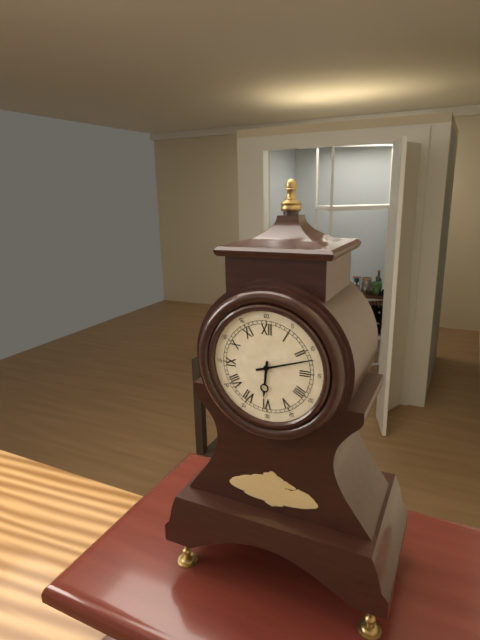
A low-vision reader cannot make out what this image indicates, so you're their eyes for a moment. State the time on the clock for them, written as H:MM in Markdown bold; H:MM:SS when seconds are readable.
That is **6:12**
